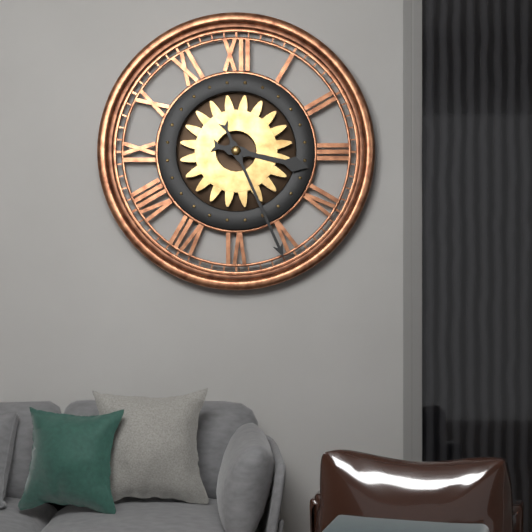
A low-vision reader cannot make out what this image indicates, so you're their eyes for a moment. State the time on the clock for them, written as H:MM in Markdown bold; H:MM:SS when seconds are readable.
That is **3:26**
